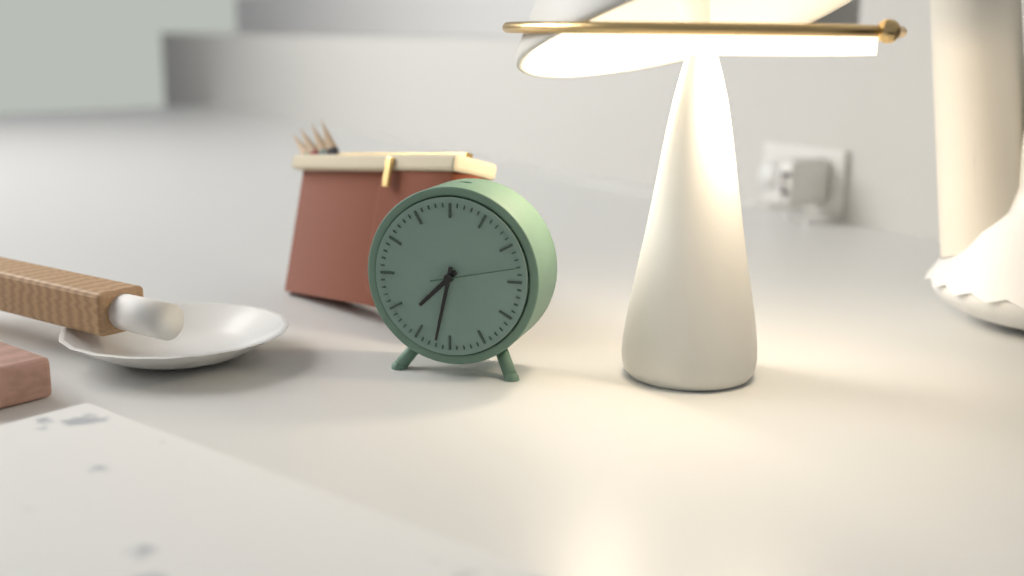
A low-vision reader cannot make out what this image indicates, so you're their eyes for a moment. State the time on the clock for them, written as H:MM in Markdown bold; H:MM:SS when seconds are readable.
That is **7:32:13**
